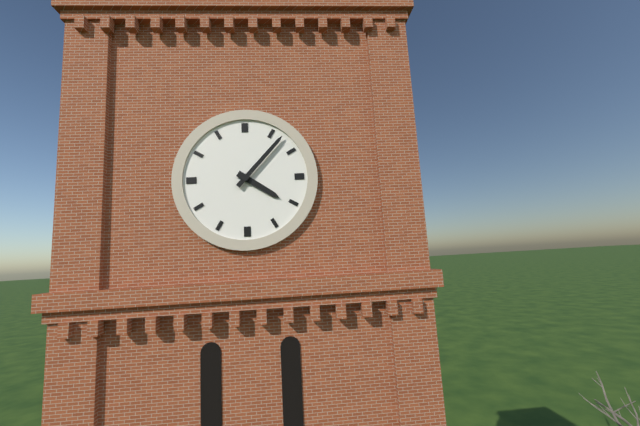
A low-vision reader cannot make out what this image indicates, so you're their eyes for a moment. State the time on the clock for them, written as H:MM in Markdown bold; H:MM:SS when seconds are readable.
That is **4:07**
